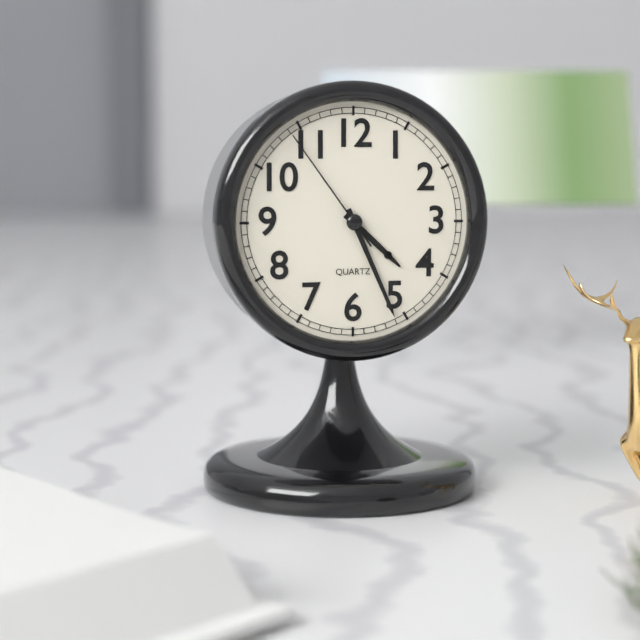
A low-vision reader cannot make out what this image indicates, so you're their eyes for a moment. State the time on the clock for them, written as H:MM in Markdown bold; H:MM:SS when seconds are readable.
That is **4:26:54**
